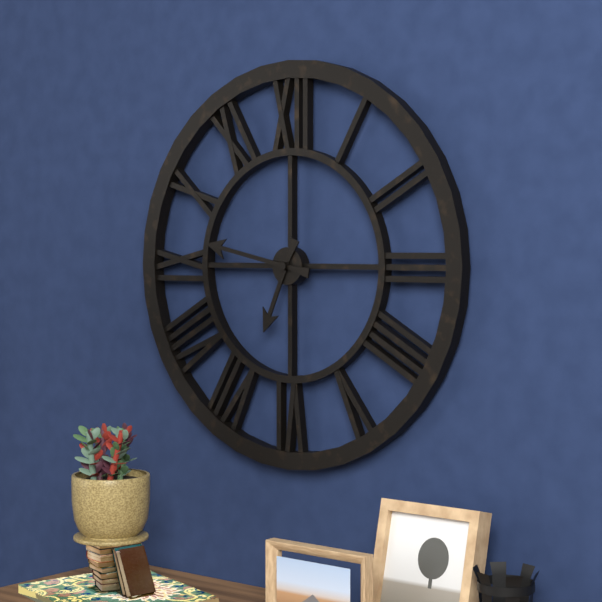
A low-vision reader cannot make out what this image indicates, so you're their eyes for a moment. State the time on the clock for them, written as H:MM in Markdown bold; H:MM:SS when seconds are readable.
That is **6:47**
